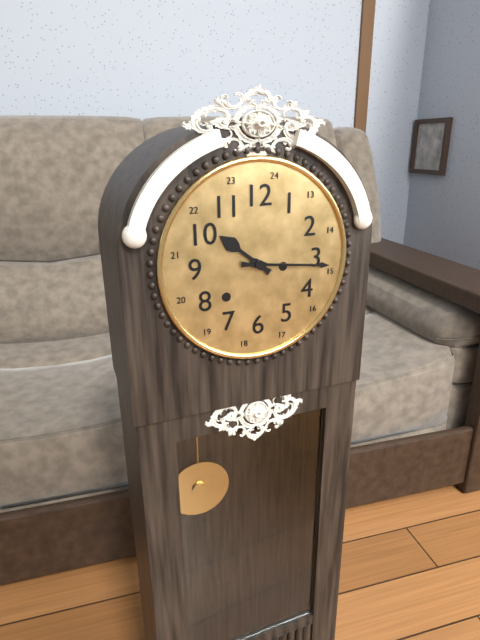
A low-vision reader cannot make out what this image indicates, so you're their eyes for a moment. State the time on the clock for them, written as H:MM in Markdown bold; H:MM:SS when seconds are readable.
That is **10:16**
